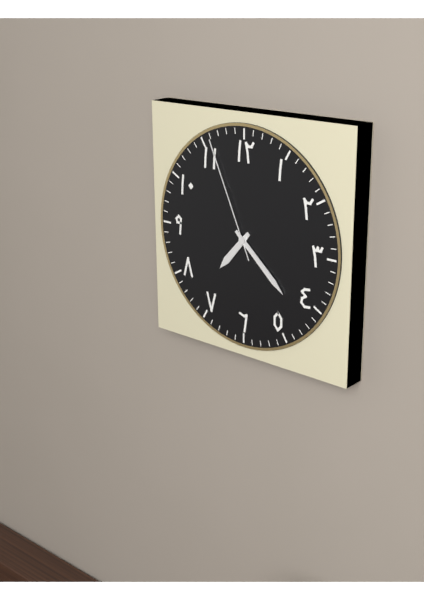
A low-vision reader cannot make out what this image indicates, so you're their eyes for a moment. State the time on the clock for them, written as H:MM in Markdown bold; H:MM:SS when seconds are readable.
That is **7:22:56**
